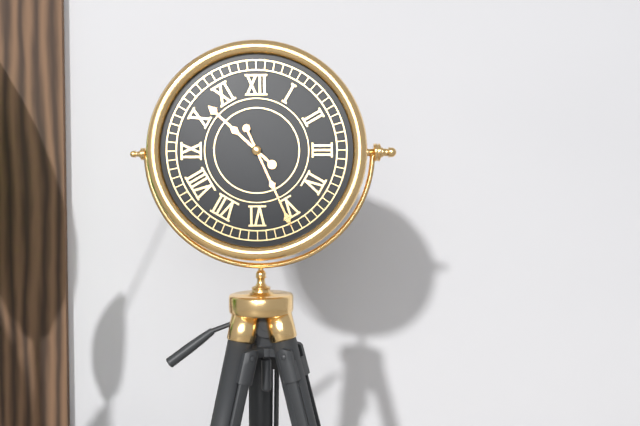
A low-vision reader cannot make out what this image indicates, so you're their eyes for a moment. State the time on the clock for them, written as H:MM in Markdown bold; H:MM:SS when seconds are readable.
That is **10:26**
